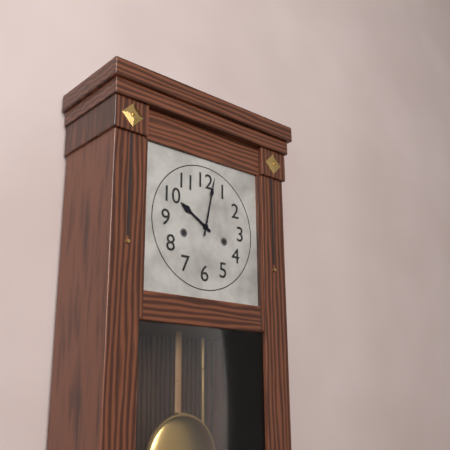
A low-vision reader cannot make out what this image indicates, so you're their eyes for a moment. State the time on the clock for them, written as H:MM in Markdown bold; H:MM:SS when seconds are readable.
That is **10:02**
